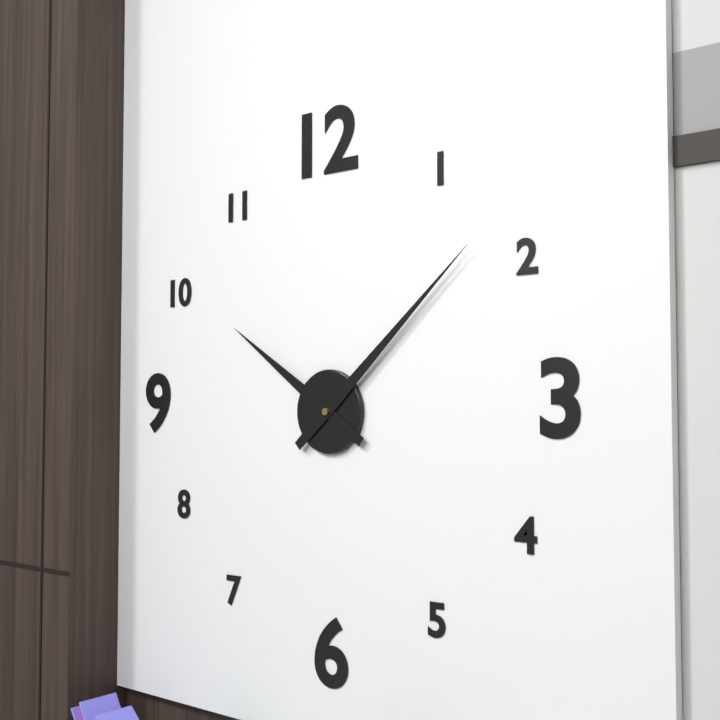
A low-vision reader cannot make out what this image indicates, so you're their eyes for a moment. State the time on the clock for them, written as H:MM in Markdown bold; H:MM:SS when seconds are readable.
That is **10:08**
